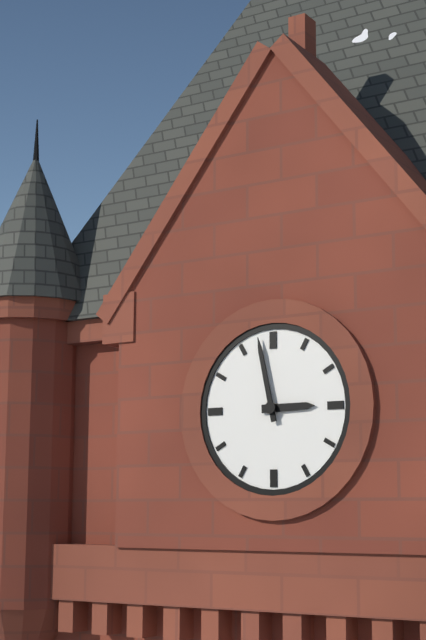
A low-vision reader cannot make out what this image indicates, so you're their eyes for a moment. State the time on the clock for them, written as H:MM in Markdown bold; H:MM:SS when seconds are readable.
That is **2:58**
